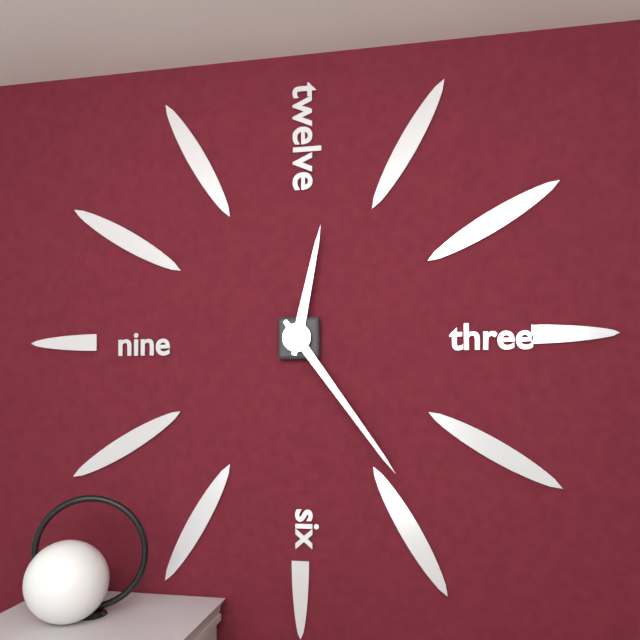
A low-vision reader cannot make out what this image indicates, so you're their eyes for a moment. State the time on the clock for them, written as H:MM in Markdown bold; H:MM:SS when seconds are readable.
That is **12:24**
